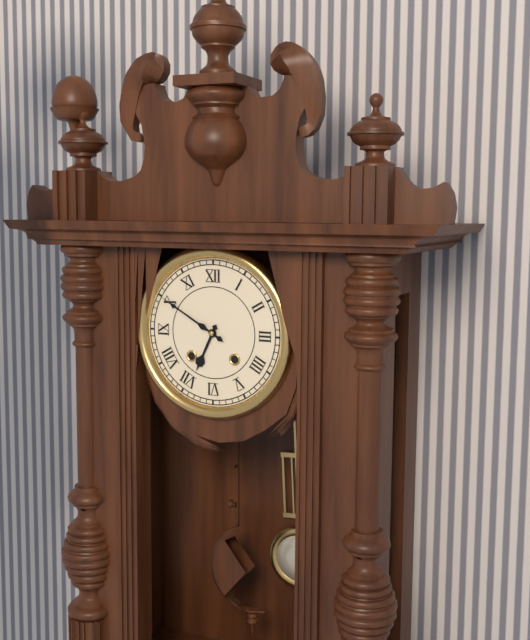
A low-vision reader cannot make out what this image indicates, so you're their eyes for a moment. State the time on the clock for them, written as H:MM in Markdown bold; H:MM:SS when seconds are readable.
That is **6:50**
